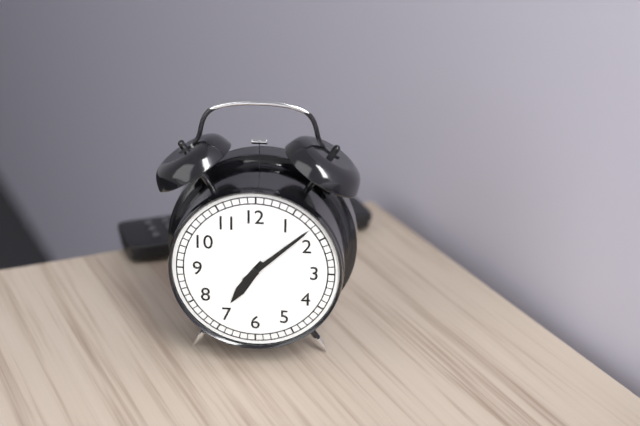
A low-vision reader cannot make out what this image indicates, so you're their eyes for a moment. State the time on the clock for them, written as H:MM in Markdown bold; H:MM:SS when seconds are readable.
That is **7:08**
